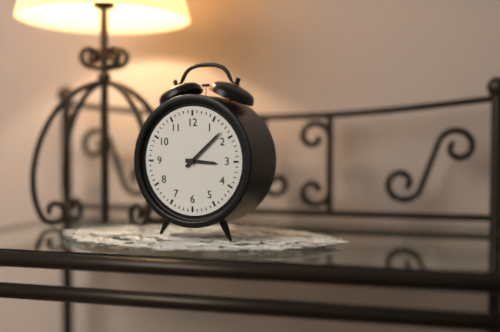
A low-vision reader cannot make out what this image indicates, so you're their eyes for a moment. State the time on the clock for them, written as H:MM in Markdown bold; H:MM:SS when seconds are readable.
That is **3:08**
